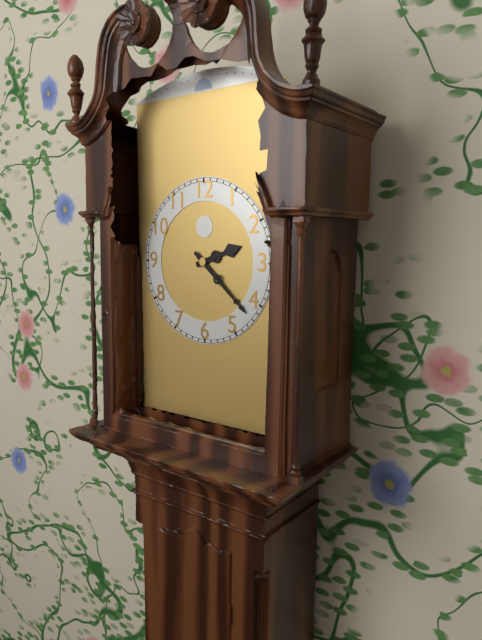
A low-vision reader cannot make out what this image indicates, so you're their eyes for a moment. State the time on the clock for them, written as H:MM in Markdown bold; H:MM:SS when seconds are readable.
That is **2:22**
